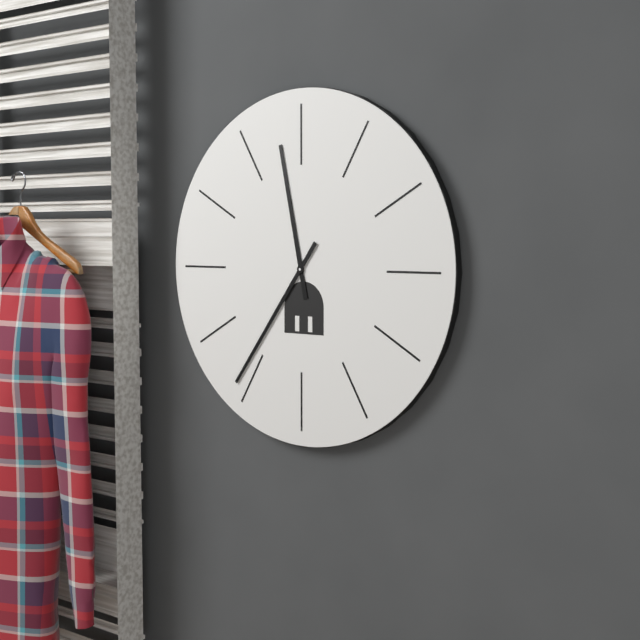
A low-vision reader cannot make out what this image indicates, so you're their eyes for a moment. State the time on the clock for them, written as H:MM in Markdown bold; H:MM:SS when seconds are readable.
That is **11:36**
